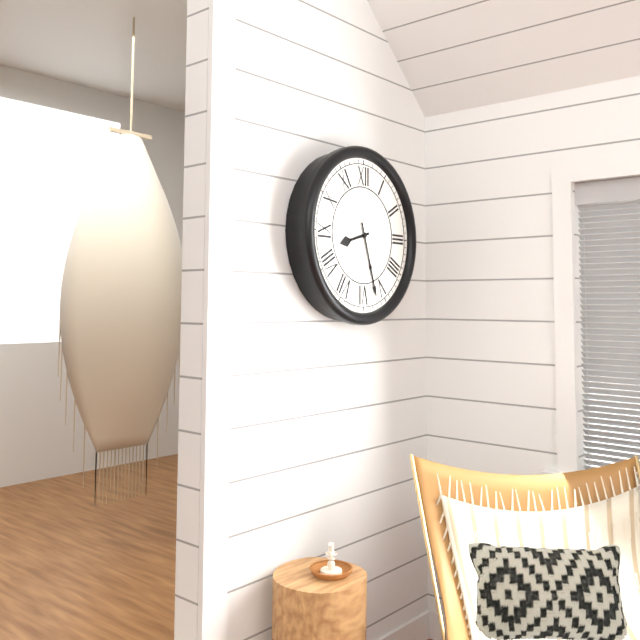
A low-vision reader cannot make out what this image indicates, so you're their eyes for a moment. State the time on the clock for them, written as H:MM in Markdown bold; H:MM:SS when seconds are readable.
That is **8:27**
